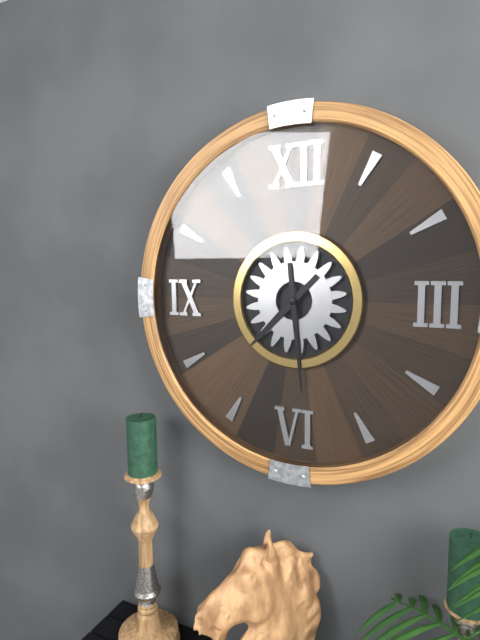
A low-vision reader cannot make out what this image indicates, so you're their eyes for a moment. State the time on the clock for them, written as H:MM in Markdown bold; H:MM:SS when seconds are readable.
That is **7:29**
